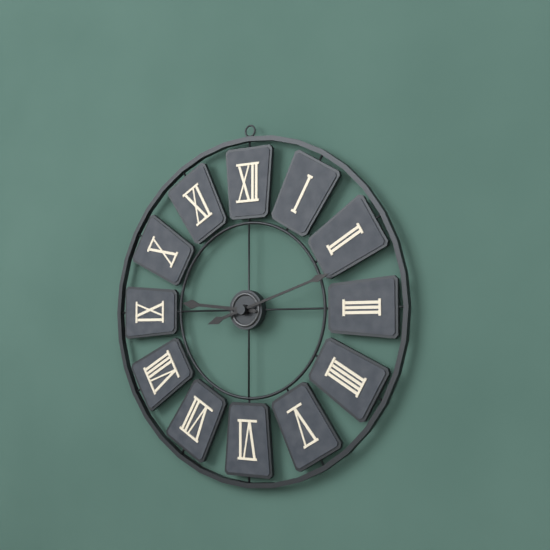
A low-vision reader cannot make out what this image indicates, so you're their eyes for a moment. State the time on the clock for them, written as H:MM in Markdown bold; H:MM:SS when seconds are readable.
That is **9:12**
